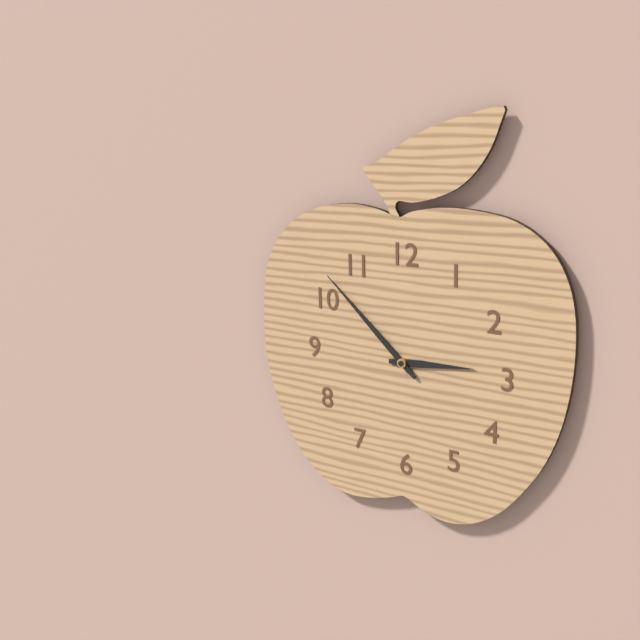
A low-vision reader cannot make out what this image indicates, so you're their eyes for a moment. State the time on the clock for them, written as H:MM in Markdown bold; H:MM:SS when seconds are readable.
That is **2:52**
